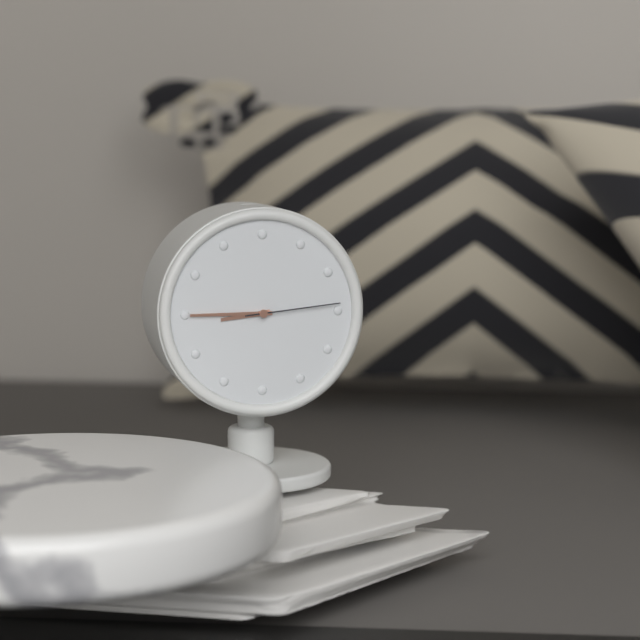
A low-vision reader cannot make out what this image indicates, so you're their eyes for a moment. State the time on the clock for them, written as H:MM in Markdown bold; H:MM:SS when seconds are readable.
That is **8:45:14**
